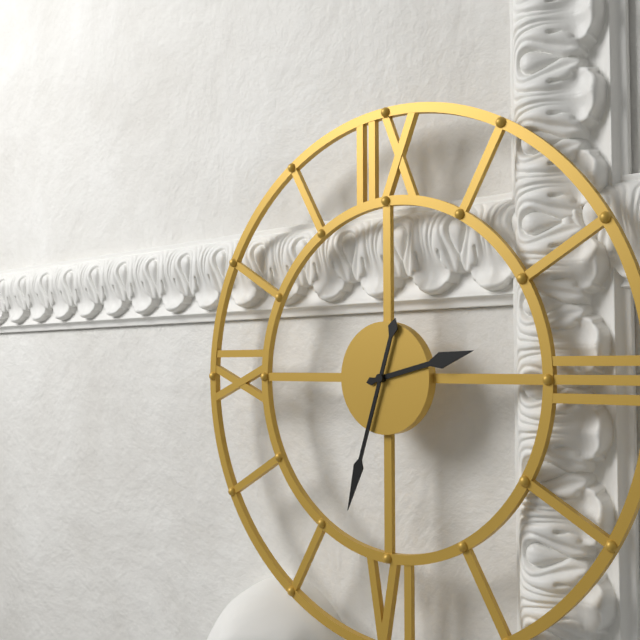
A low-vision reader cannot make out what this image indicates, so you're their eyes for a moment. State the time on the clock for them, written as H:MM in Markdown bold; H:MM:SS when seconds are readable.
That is **2:33**
